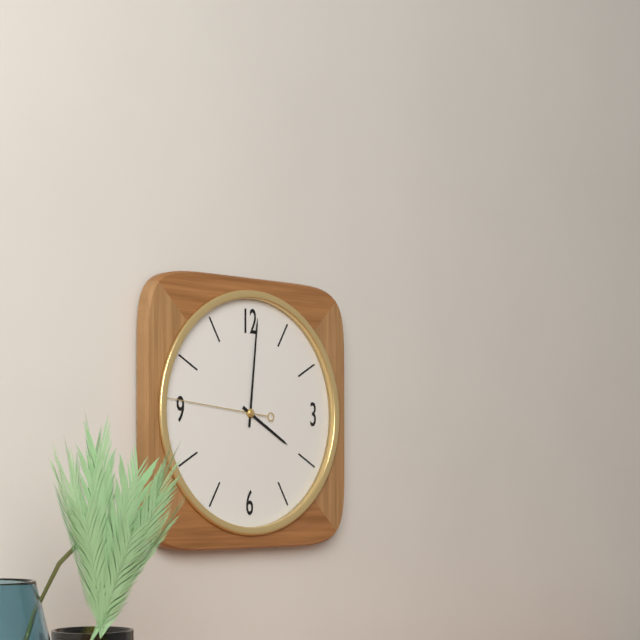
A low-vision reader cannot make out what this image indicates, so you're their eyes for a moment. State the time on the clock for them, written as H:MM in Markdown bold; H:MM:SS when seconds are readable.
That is **4:01:46**
